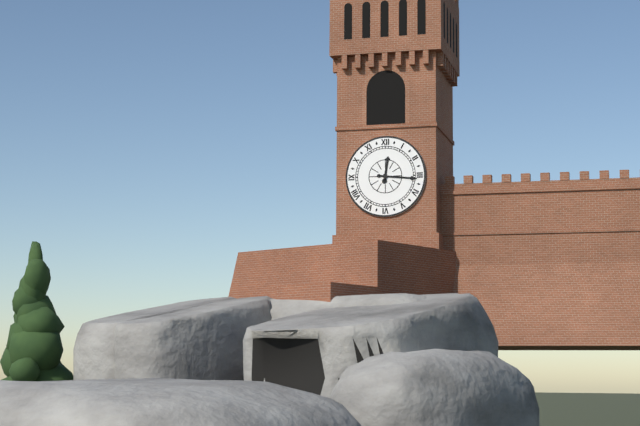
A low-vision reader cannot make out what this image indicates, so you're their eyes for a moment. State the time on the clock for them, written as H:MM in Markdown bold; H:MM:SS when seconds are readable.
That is **12:16**
